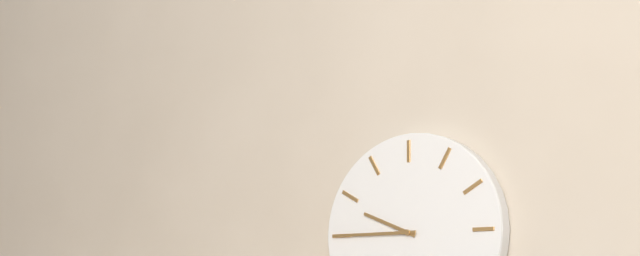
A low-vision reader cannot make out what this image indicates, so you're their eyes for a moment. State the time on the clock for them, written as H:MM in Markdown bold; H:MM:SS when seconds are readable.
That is **9:45**
